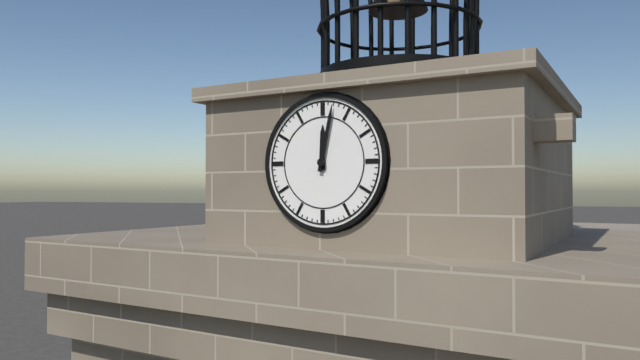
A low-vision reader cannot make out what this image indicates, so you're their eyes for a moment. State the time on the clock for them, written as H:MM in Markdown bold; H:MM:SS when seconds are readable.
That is **12:02**
